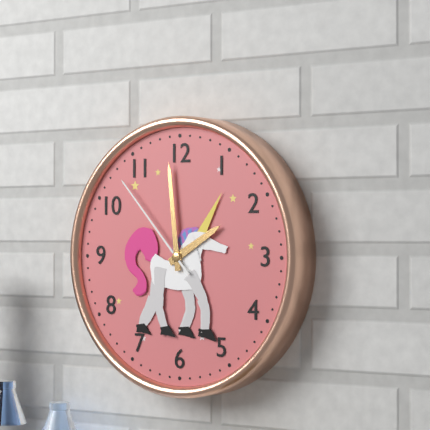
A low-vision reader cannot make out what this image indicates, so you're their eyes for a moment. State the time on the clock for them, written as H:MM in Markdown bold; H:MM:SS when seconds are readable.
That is **1:59:53**
